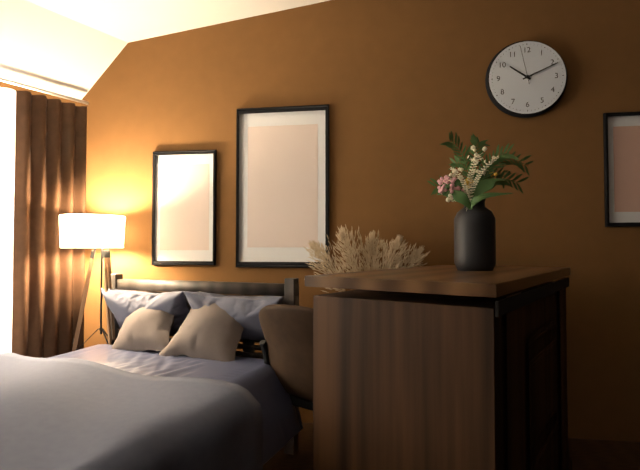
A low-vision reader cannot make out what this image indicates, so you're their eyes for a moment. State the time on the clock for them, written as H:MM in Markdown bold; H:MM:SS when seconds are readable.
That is **10:11**
